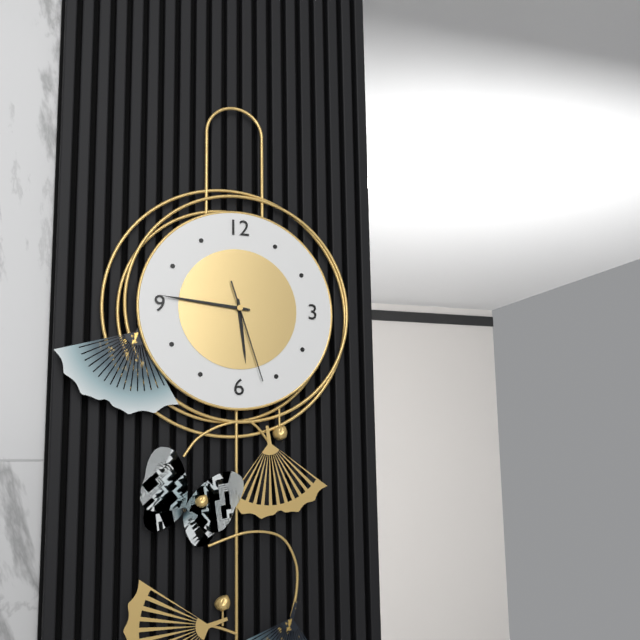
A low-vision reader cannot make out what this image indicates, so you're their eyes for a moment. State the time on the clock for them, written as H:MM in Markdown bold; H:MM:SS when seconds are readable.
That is **5:46:27**
